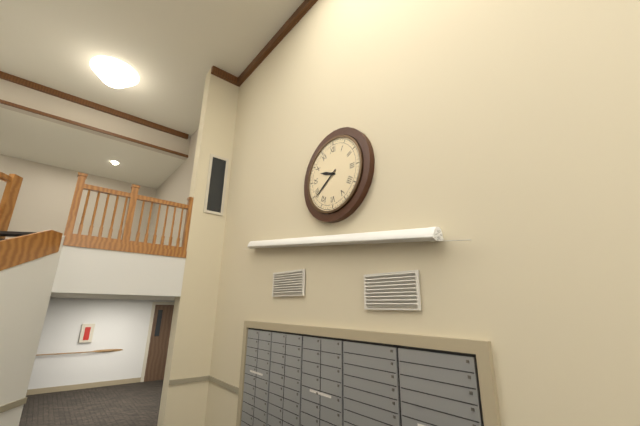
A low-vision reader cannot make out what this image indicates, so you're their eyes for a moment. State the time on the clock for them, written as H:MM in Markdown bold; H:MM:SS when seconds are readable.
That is **9:39**
